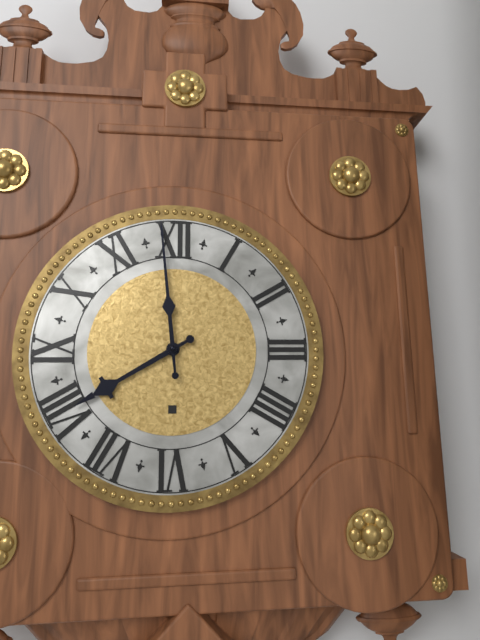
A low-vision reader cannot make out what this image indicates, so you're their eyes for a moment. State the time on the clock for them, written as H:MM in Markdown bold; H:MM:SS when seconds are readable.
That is **7:59**
